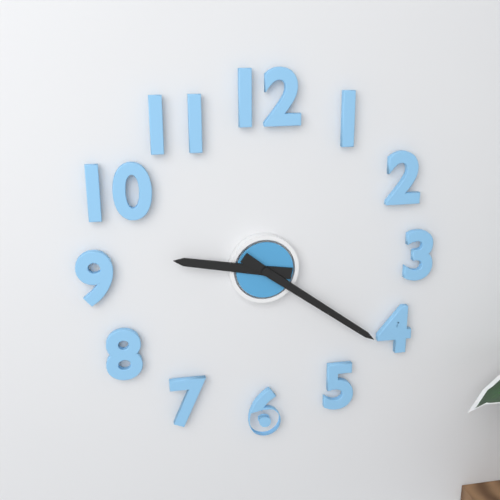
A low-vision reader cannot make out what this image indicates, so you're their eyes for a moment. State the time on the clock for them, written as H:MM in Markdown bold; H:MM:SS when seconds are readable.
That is **9:21**
